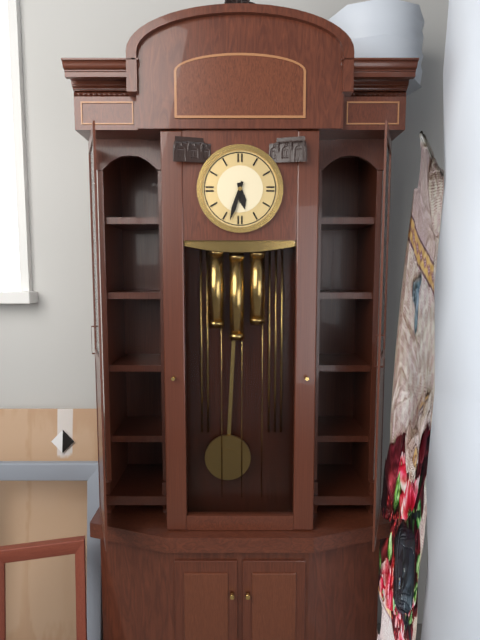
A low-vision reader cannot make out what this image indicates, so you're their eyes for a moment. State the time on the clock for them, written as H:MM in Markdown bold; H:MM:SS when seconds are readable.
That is **5:33**
